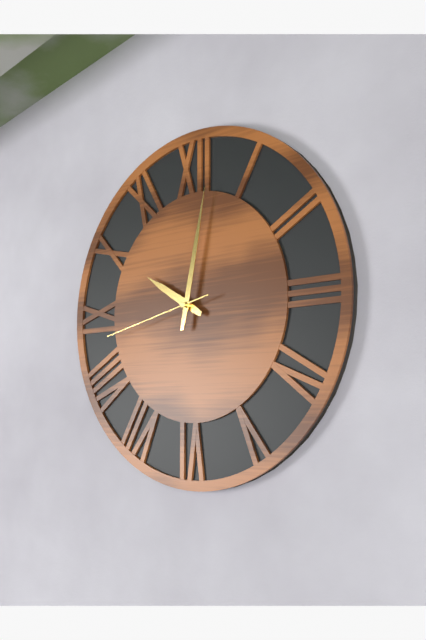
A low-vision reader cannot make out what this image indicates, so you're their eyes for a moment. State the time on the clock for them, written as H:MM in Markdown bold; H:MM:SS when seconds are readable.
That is **10:02:43**
